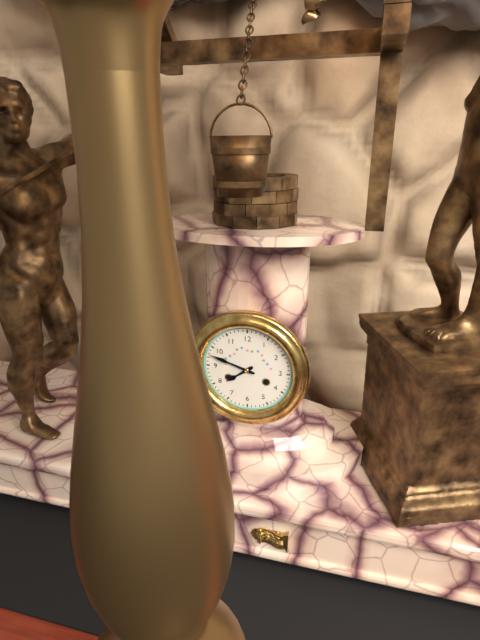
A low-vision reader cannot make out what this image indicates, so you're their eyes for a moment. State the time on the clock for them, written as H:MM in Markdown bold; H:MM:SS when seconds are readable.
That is **7:48**
